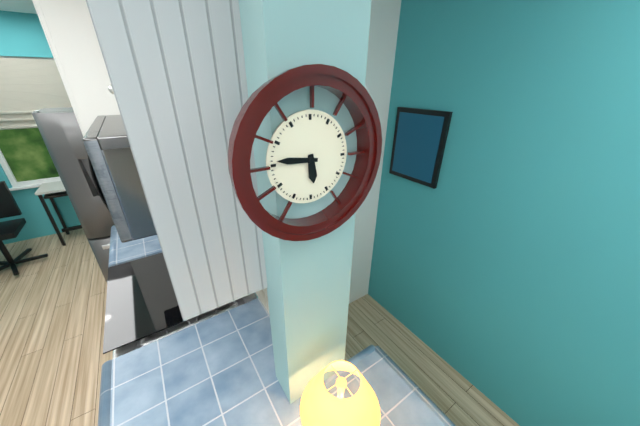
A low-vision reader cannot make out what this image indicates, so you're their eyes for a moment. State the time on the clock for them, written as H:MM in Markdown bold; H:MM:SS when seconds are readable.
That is **5:46**
